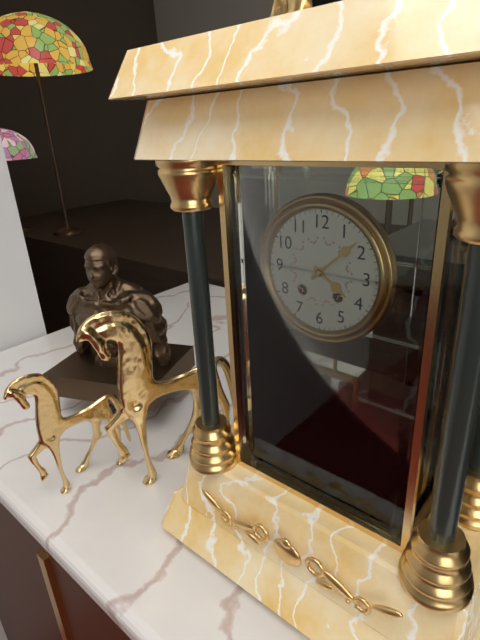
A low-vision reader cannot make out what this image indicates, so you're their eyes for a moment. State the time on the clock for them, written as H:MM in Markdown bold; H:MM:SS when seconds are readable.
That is **4:08**
